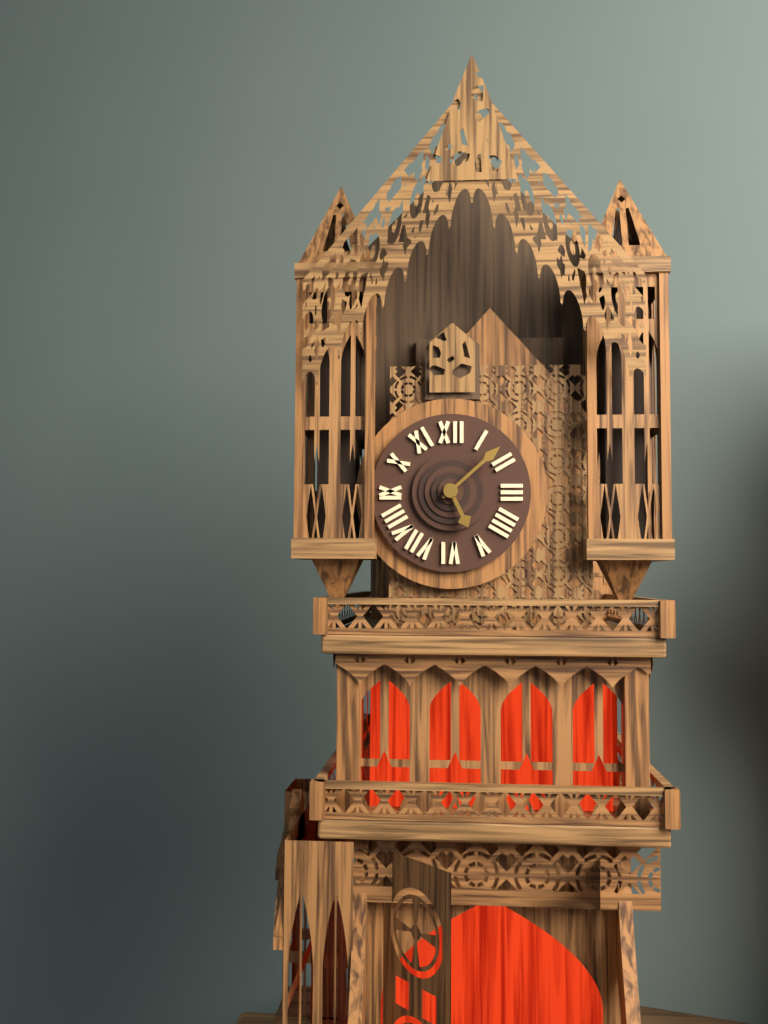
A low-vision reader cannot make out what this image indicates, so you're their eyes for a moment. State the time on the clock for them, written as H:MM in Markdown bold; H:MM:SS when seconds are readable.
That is **5:08**
